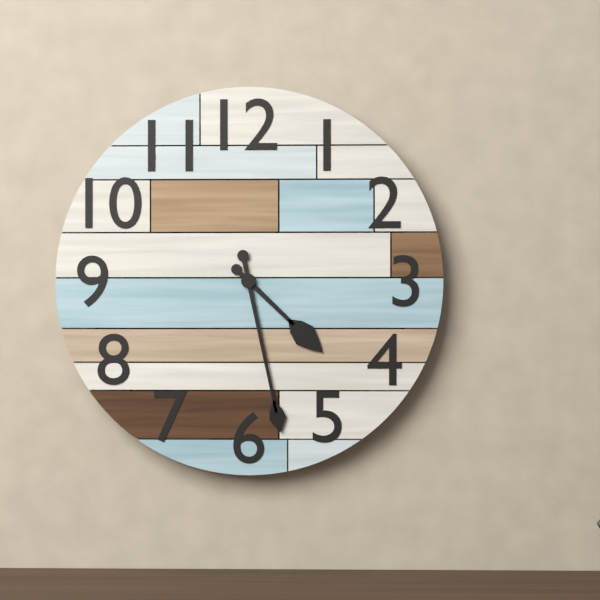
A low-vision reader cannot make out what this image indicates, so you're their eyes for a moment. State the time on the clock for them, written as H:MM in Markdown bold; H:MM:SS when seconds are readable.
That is **4:28**
